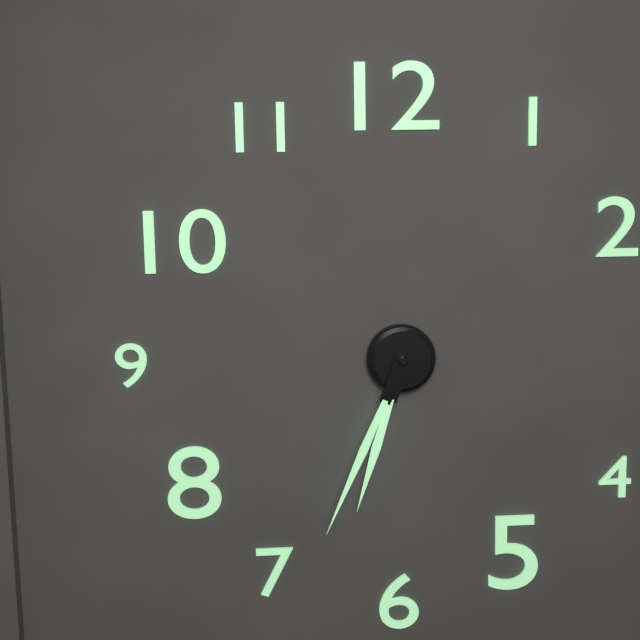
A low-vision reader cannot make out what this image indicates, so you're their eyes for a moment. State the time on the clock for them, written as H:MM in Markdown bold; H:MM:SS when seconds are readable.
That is **6:34**
